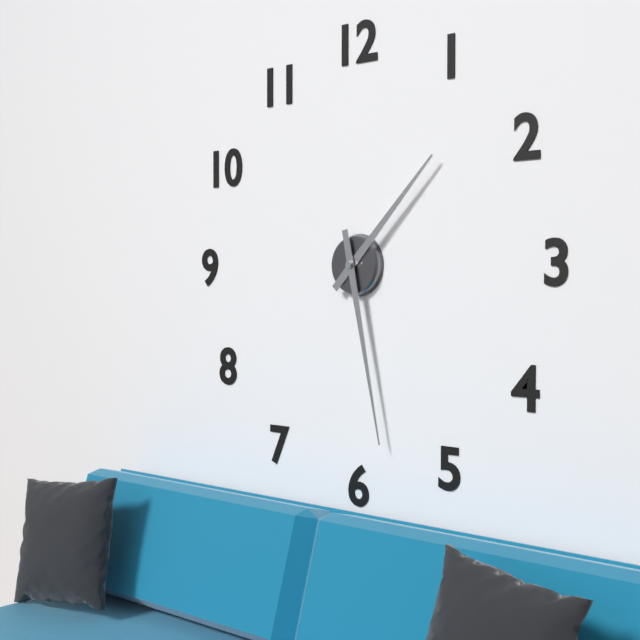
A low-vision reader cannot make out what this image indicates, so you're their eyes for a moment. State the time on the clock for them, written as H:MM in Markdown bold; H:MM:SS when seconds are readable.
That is **1:28**
